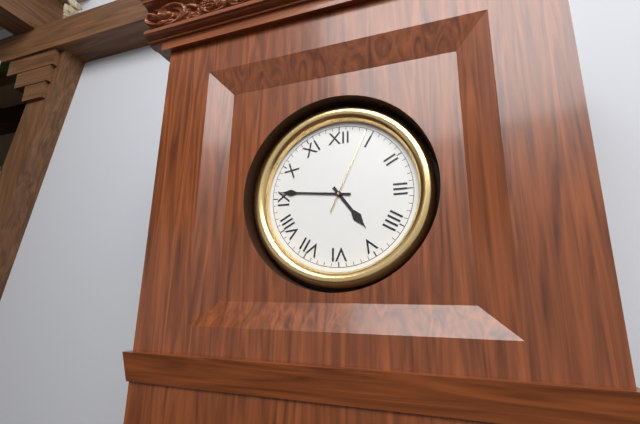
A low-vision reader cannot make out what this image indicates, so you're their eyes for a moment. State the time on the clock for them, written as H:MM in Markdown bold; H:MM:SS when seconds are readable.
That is **4:46:04**
